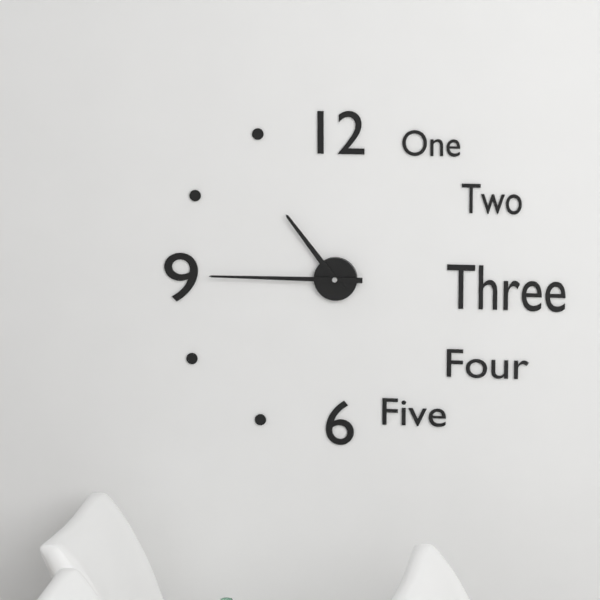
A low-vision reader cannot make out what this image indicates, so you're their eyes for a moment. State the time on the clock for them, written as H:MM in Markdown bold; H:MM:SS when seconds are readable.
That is **10:45**
